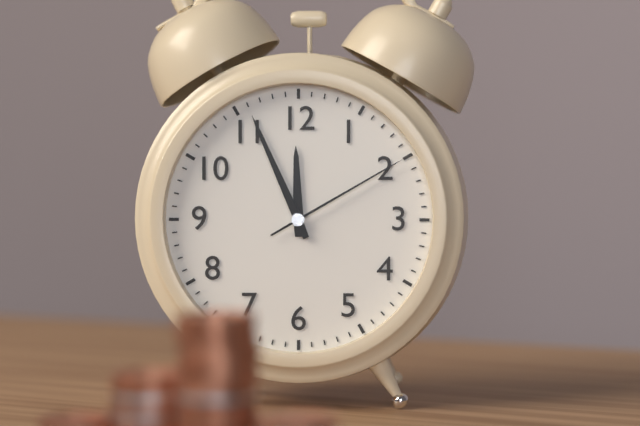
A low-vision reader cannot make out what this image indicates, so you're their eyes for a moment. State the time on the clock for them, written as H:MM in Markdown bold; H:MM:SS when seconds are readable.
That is **11:56:10**
